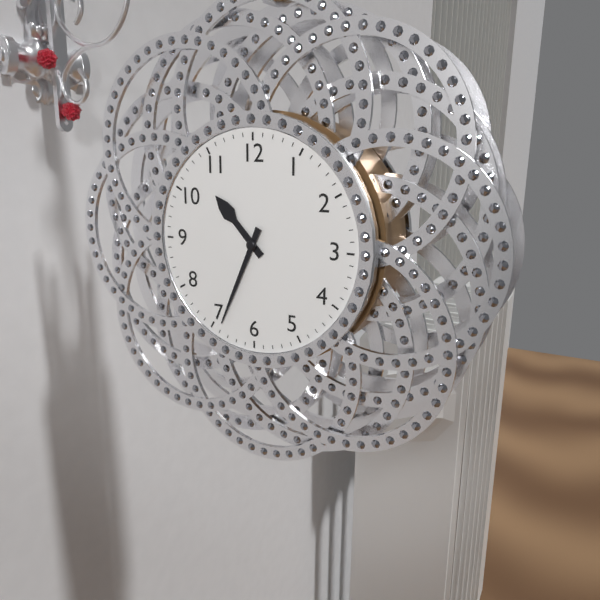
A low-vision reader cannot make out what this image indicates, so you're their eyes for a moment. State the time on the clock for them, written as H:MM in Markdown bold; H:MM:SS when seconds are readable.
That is **10:34**
